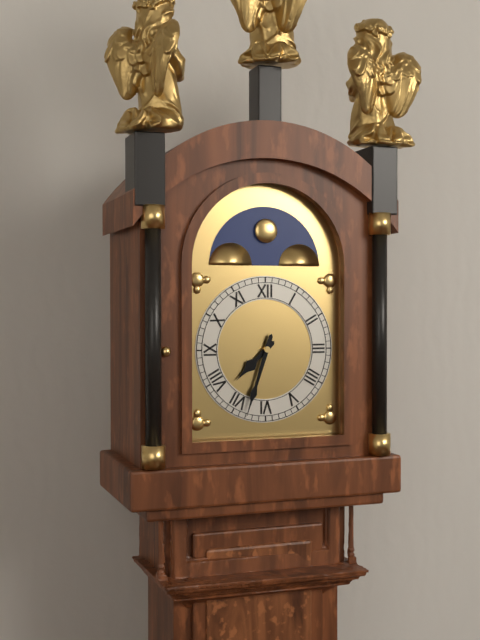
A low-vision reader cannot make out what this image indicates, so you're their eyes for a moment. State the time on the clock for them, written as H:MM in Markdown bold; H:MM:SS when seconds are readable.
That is **7:33**
